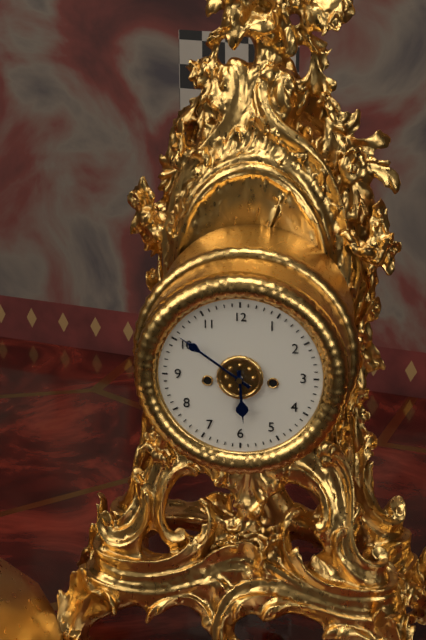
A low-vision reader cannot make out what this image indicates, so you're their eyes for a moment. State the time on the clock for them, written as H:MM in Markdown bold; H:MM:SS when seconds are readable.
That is **5:51**
